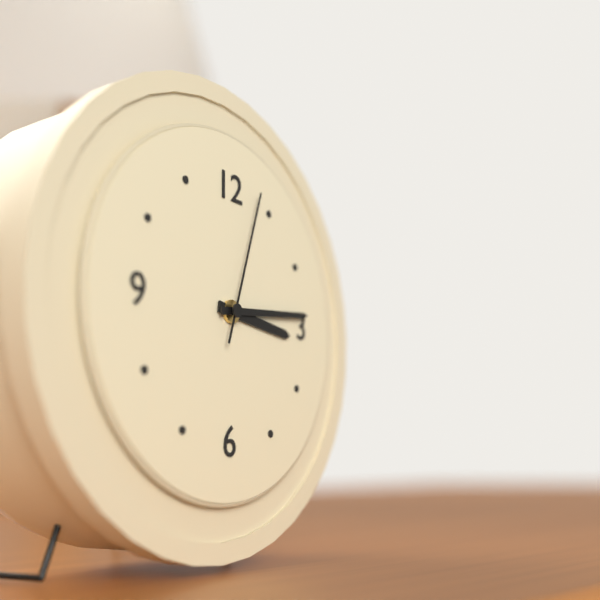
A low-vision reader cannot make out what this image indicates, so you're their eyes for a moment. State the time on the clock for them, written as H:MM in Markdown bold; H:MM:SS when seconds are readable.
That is **3:14:03**
